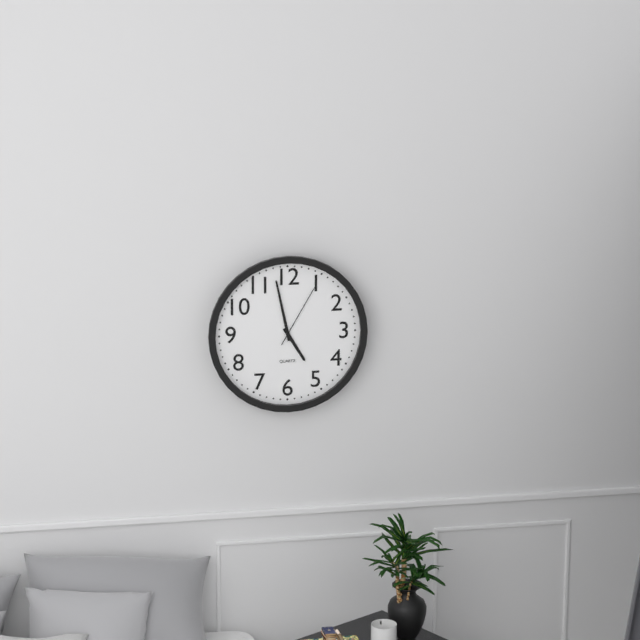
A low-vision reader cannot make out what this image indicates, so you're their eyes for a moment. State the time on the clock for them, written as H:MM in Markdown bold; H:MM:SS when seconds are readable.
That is **4:58:05**
